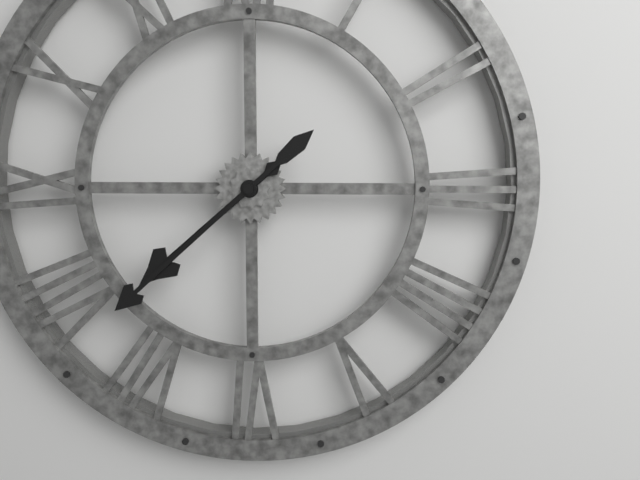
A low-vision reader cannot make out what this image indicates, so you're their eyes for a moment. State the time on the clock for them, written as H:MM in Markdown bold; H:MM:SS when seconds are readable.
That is **7:38**
